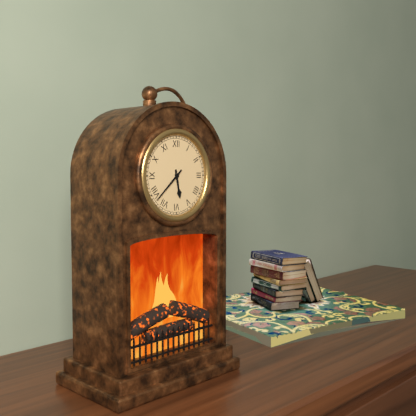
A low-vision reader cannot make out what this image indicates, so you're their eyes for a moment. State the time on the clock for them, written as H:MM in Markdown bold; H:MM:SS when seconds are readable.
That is **5:38**
